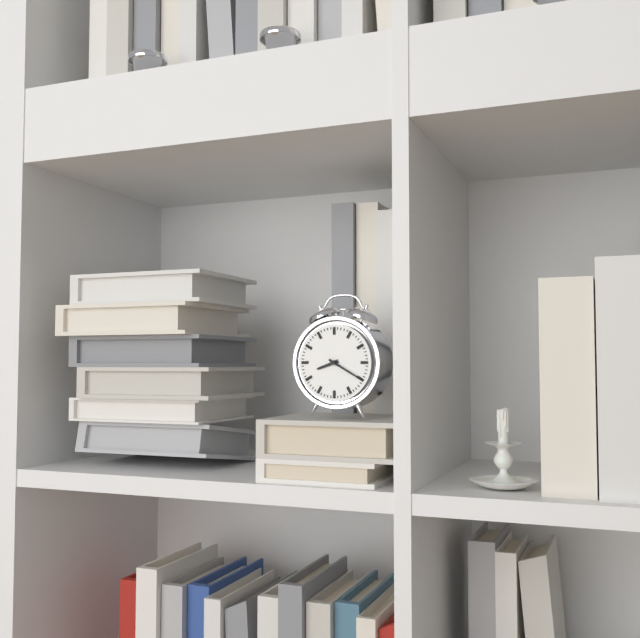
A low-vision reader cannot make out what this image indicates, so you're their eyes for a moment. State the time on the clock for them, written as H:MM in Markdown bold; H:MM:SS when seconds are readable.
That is **8:20**
